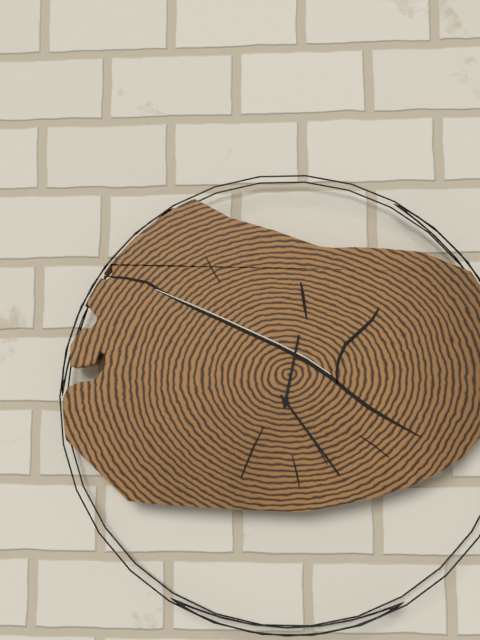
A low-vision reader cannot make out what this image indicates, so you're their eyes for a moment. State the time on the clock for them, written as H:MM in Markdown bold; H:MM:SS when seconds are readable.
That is **12:24**
